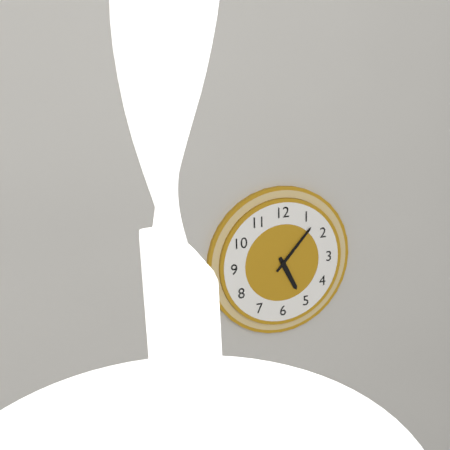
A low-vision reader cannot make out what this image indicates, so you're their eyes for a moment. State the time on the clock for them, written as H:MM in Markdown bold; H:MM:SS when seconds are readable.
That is **5:07**
